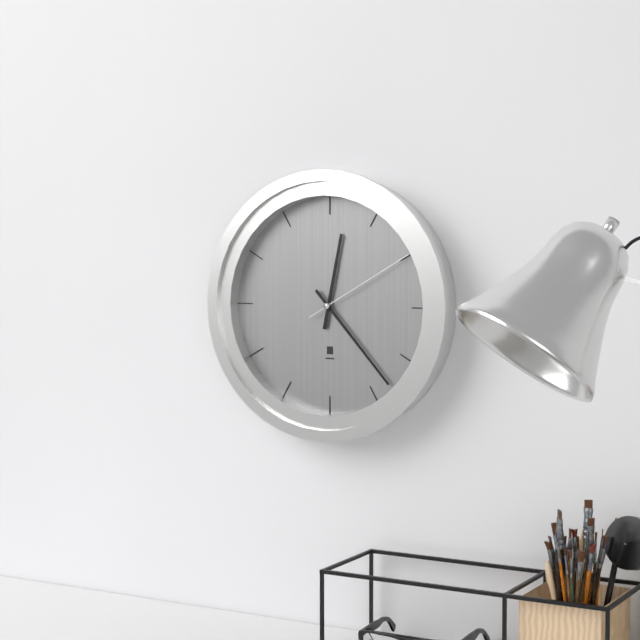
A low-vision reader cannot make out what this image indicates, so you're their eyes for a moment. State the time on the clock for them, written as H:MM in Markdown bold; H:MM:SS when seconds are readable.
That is **12:23:10**
